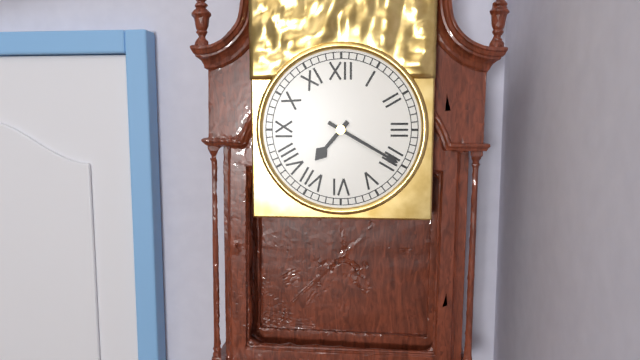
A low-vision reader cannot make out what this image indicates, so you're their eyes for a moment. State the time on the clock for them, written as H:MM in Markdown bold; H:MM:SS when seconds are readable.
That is **7:20**
